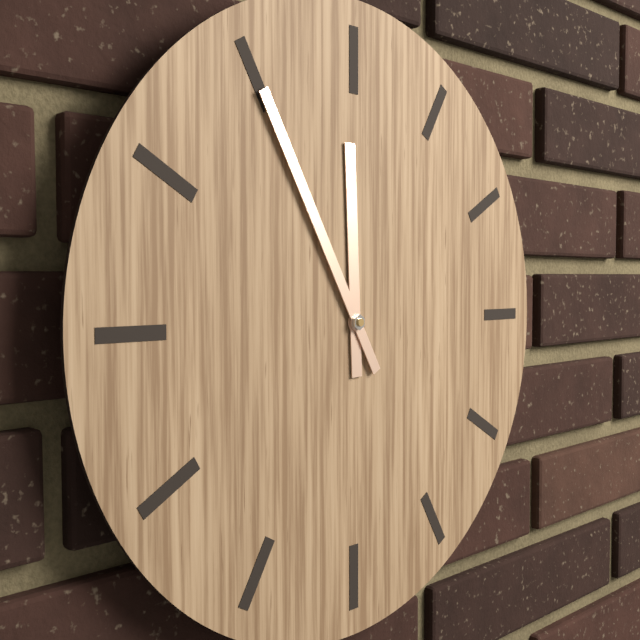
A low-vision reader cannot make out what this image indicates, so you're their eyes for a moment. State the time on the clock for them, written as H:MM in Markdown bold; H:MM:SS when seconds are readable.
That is **11:55**
